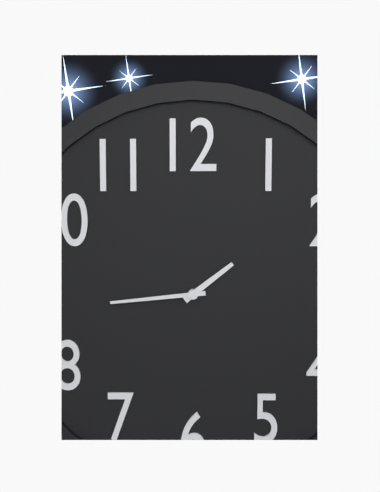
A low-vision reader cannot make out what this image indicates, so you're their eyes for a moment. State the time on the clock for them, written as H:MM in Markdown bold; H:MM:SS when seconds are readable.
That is **1:44**
